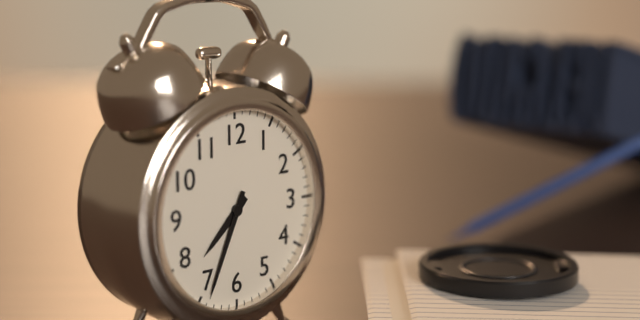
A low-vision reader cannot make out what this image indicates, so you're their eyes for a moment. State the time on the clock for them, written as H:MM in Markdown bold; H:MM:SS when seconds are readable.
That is **7:34**
